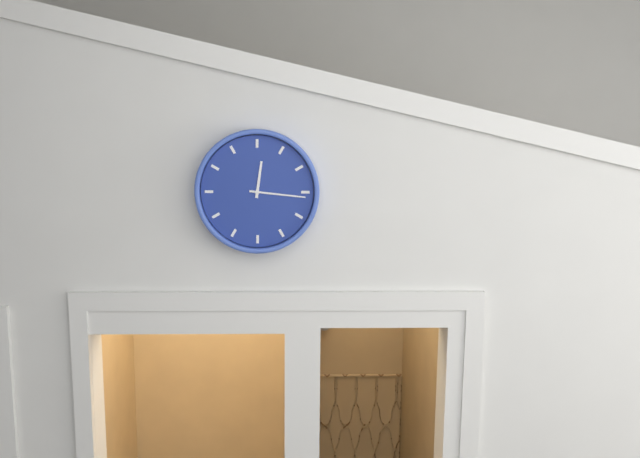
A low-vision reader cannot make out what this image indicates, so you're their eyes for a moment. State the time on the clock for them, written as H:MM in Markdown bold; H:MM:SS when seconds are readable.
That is **12:16**
